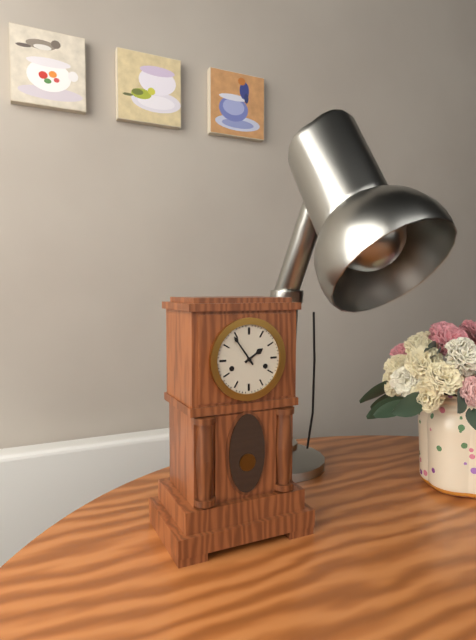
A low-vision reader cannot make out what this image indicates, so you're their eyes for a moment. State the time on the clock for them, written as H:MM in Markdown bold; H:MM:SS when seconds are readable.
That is **1:54**
